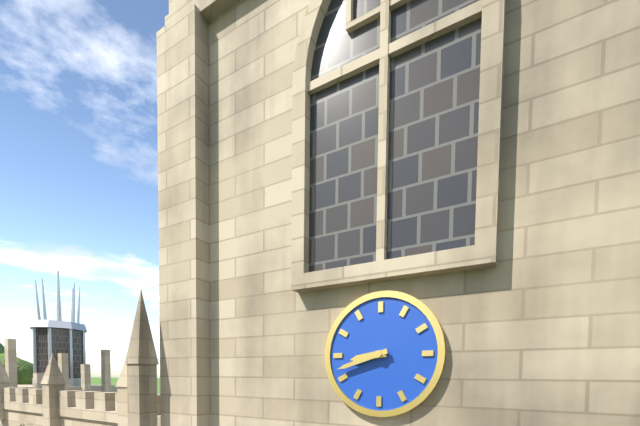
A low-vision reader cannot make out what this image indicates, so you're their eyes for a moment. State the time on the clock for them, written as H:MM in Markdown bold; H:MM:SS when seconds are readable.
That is **8:42**
